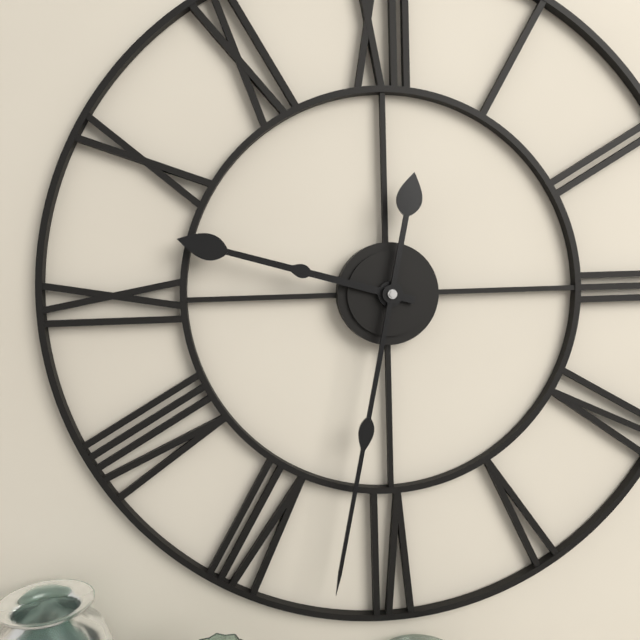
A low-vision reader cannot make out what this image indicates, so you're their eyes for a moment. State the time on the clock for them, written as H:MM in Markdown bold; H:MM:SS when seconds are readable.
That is **9:32**
